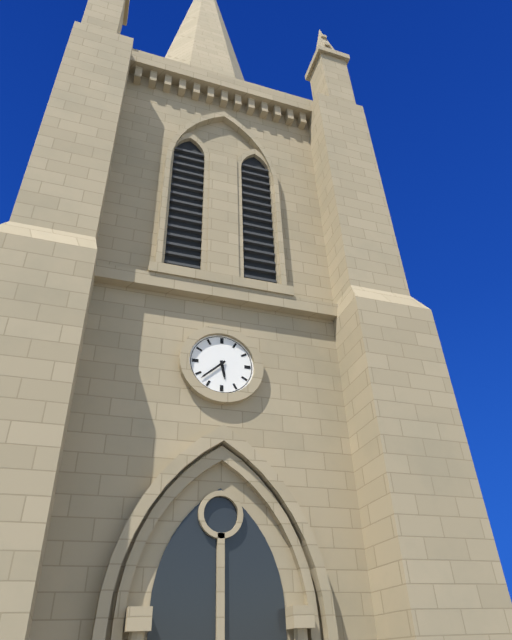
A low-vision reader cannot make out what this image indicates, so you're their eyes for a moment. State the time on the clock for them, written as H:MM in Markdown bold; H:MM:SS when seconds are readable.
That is **5:38**
